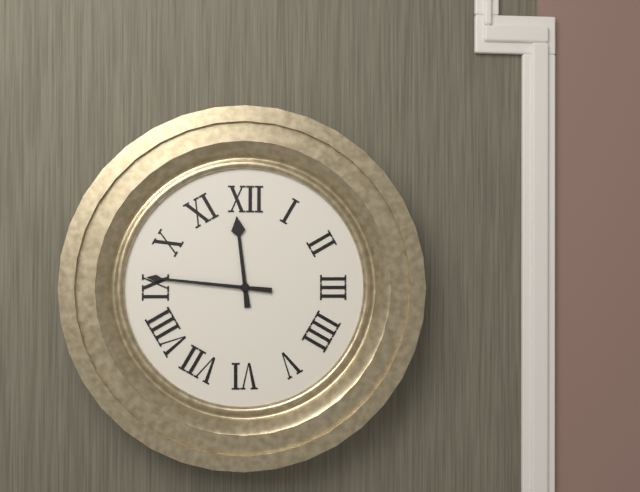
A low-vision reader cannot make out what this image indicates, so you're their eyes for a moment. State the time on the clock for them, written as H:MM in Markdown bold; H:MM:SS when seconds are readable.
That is **11:46**
